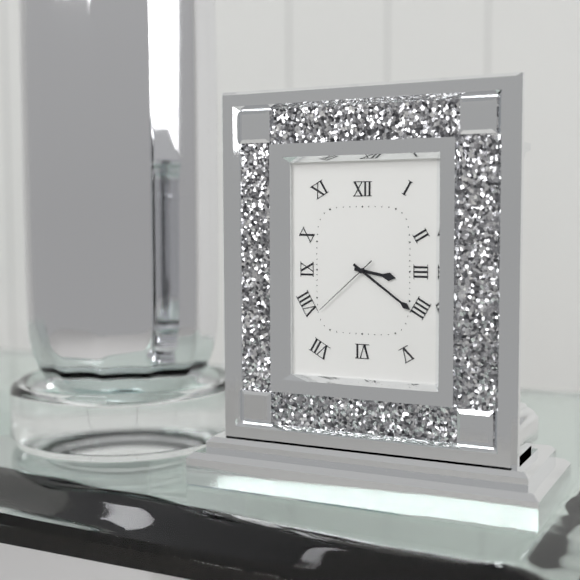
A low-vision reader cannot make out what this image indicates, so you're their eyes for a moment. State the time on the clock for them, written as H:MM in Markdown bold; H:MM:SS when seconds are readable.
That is **3:21:38**
